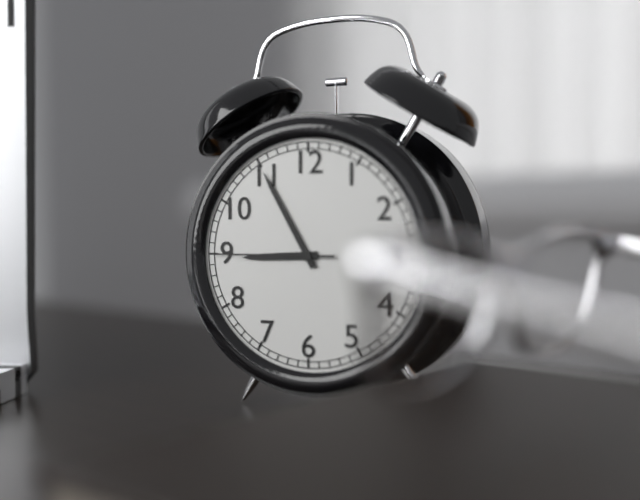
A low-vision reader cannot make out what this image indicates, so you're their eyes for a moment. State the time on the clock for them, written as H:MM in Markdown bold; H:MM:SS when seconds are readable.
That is **8:55:45**
